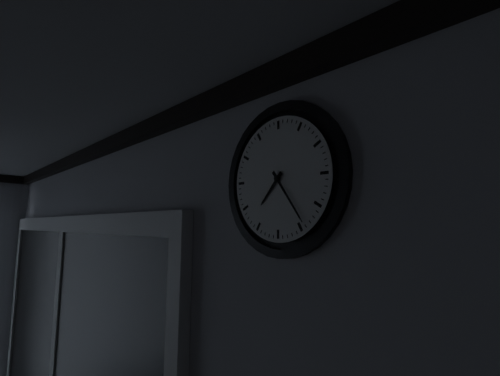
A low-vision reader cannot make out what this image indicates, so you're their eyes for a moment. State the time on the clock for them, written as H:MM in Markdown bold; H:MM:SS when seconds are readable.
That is **7:24**
